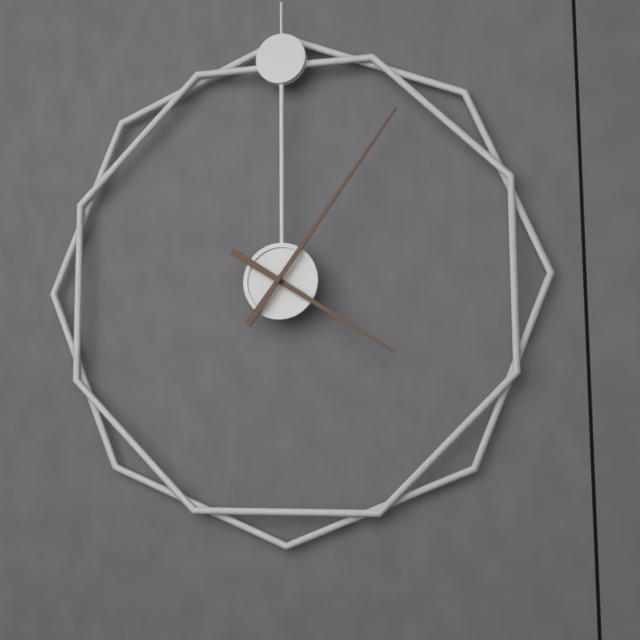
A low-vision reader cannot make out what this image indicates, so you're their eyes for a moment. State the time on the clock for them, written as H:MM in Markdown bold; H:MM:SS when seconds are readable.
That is **4:06**
